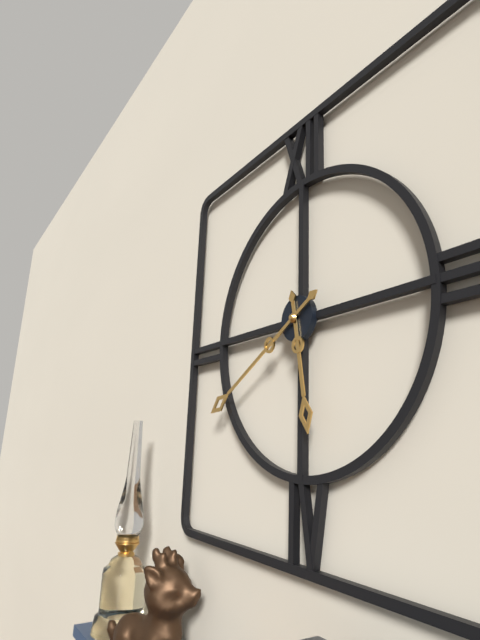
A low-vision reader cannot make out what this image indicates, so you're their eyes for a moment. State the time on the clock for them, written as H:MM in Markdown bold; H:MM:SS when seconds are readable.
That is **5:40**
